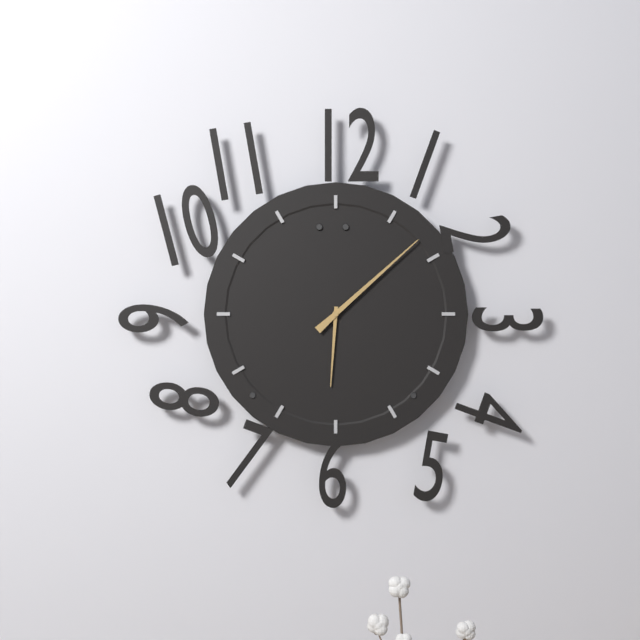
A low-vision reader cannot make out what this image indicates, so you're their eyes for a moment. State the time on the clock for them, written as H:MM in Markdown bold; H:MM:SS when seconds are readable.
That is **6:08**
